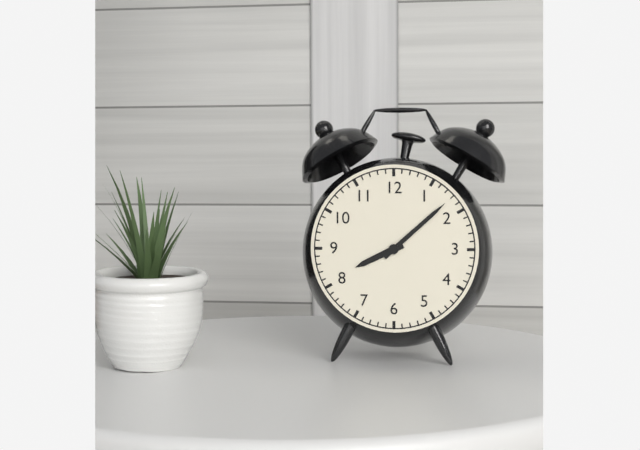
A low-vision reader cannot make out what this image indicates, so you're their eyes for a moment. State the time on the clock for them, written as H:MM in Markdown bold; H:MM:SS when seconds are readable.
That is **8:08**
